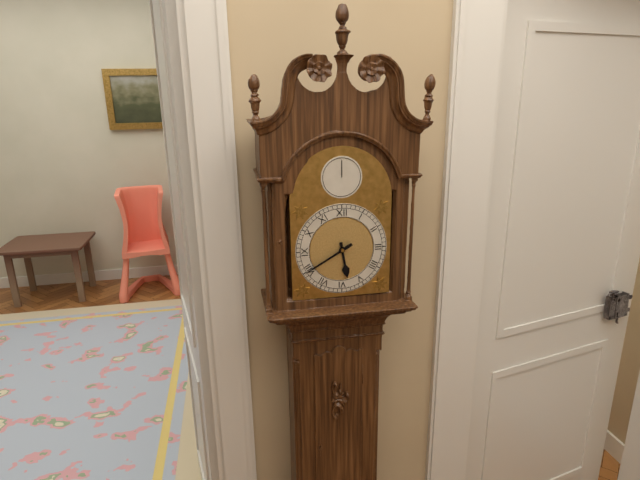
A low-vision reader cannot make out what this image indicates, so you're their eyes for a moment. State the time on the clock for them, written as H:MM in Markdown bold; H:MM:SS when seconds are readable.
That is **5:40**
